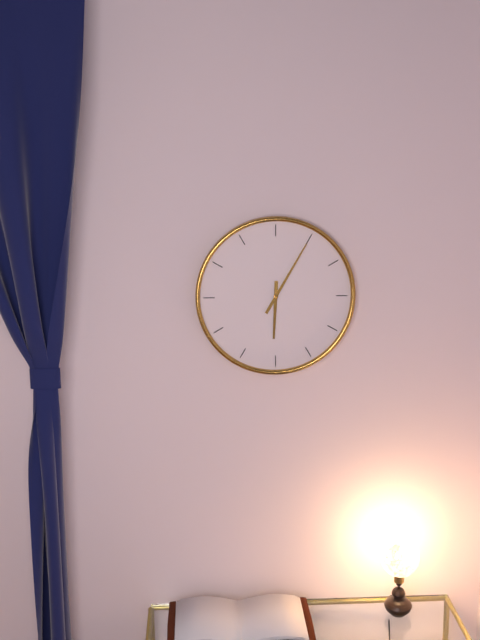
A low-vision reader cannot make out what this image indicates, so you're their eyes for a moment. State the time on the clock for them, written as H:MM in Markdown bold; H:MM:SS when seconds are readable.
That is **6:05**
